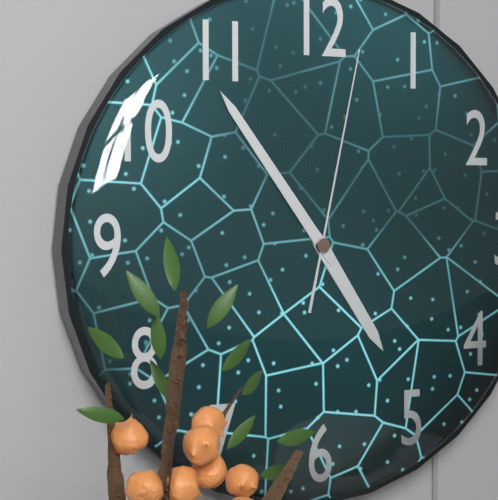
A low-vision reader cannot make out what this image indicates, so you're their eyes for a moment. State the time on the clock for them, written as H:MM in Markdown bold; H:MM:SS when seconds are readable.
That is **4:54:02**
